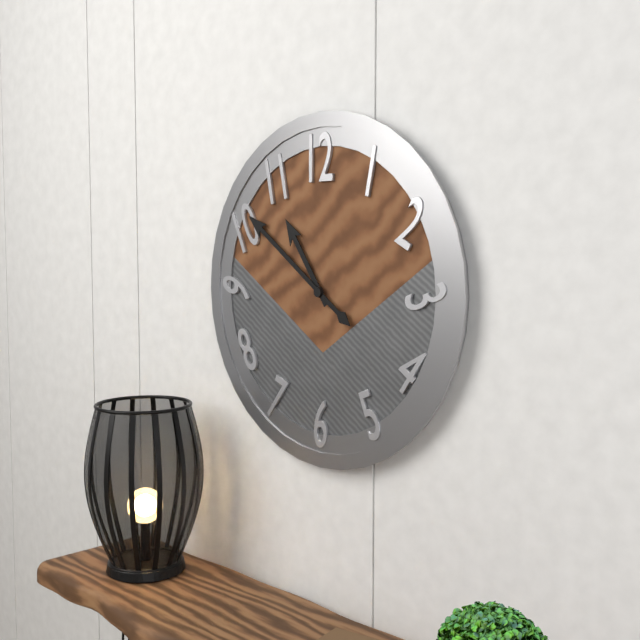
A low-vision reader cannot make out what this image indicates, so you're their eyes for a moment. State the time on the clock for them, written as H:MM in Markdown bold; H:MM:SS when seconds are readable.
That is **10:51**
